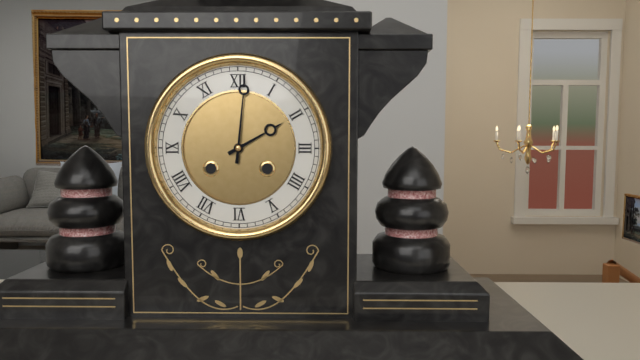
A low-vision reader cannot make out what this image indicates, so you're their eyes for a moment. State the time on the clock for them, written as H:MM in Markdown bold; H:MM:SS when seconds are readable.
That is **2:01**
